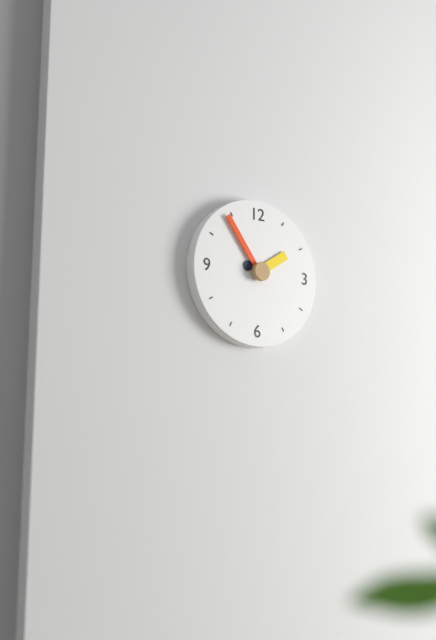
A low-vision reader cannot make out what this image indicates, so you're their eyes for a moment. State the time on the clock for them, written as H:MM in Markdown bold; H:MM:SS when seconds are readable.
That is **1:54**
